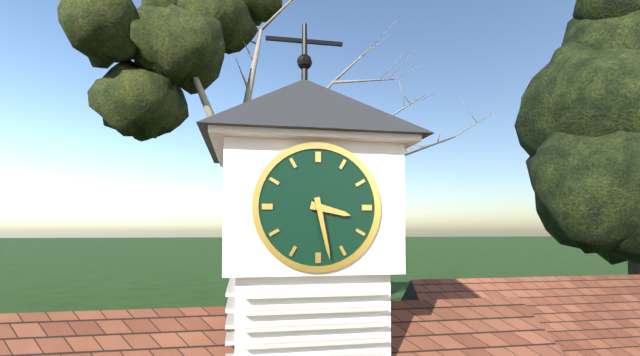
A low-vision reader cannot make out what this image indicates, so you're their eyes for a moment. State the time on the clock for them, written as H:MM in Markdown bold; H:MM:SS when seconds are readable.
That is **3:28**
